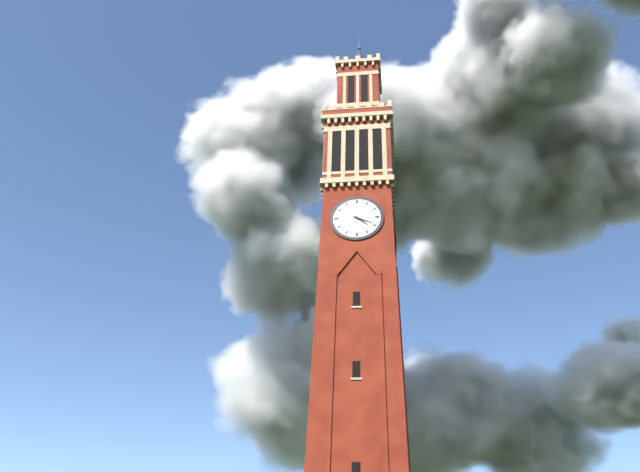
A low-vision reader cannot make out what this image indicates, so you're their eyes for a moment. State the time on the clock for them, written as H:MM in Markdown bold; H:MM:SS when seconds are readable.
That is **4:19**
